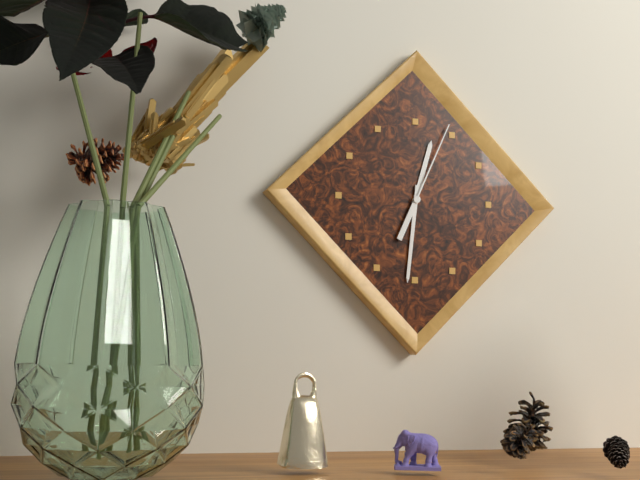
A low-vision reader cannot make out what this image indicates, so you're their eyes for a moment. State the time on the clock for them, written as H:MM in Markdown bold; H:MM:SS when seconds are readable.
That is **12:31:04**
